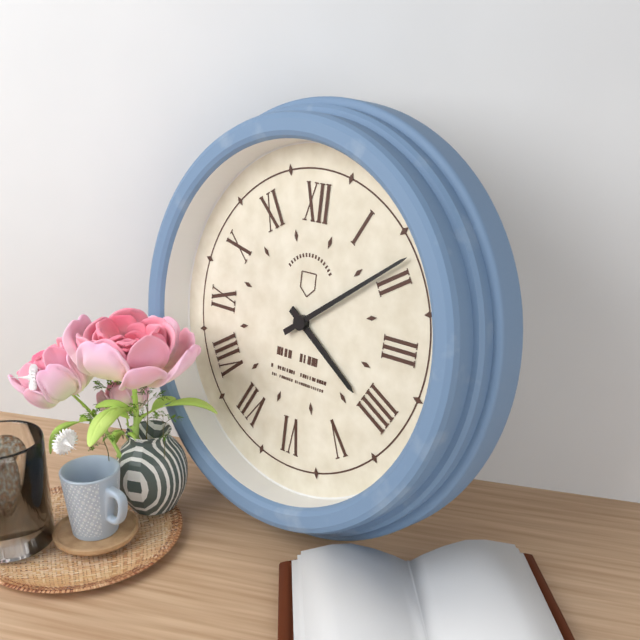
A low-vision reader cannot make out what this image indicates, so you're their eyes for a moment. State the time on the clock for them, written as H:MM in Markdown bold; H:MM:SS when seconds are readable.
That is **4:09**
